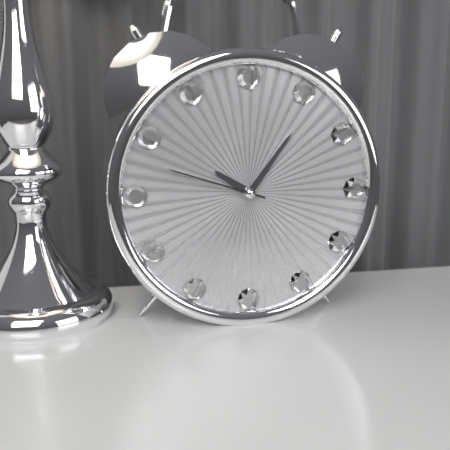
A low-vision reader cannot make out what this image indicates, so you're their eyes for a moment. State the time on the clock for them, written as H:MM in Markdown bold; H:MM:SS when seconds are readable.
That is **10:06:48**
